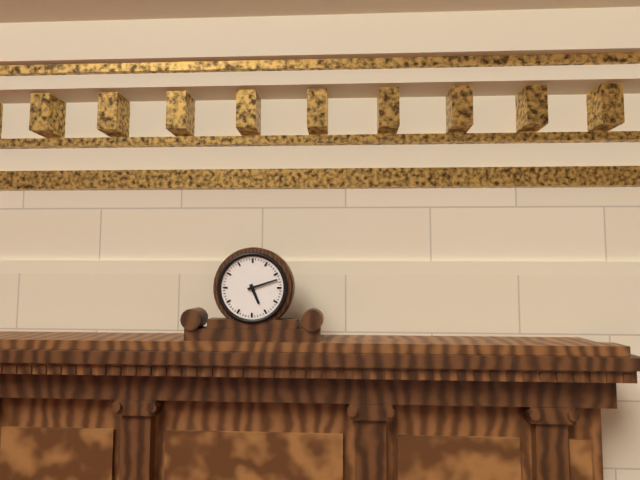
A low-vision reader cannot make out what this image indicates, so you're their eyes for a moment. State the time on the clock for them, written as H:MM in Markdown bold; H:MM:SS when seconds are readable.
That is **5:12**
